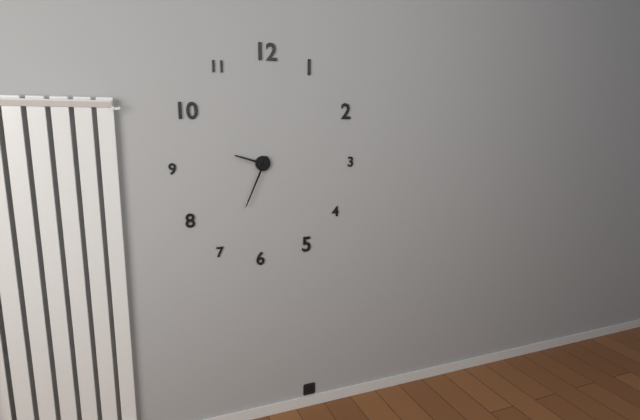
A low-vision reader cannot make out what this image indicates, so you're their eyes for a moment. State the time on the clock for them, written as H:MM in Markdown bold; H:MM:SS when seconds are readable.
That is **9:34**
